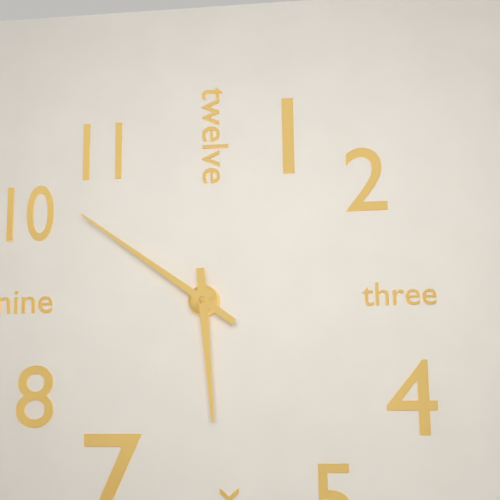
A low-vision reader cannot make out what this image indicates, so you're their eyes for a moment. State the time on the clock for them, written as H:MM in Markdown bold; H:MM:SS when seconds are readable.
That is **5:51**
